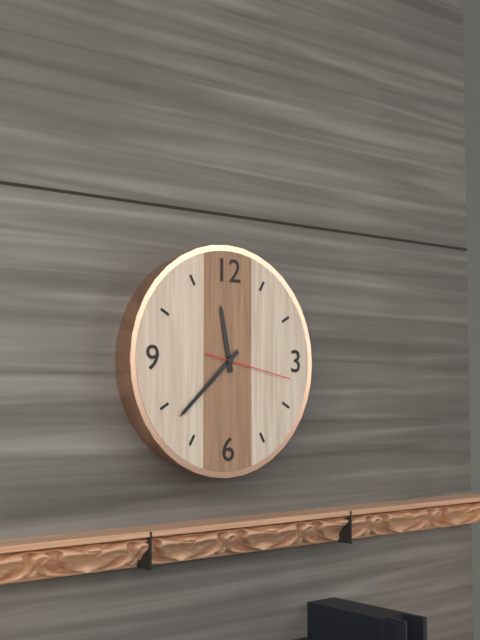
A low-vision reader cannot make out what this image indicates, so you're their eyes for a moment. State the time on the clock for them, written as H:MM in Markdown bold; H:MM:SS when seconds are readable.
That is **11:38:17**
